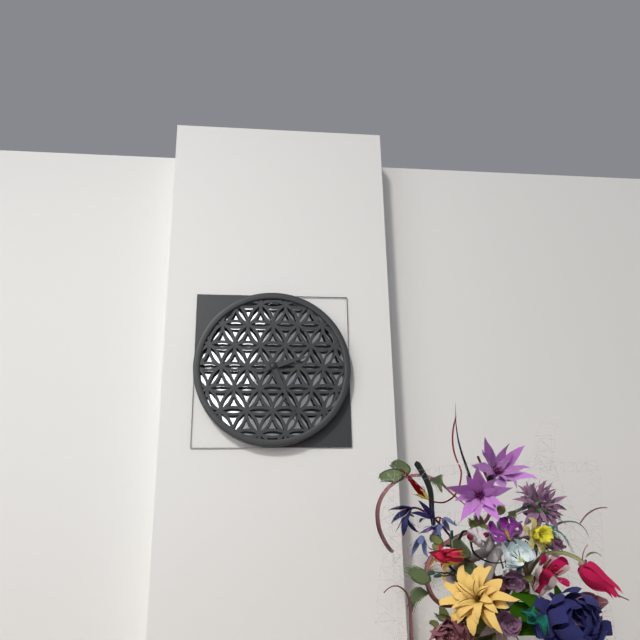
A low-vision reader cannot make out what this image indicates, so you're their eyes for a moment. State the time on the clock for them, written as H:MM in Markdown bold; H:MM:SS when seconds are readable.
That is **2:26**
